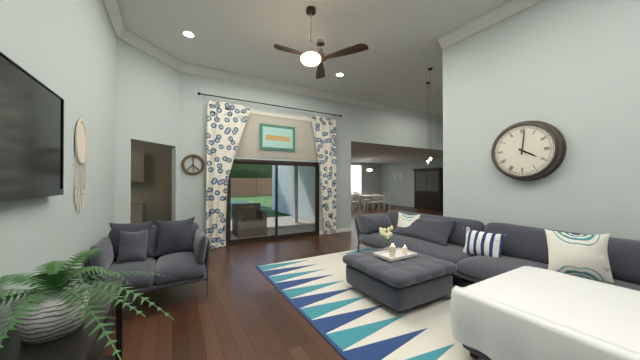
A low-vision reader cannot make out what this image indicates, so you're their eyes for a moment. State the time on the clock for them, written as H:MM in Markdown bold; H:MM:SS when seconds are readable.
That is **4:01**
